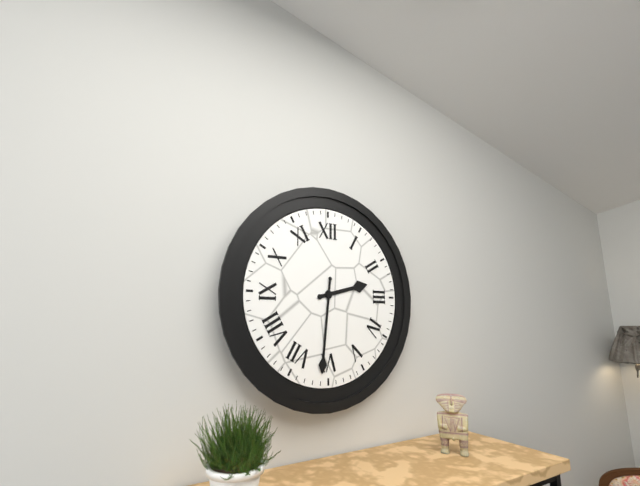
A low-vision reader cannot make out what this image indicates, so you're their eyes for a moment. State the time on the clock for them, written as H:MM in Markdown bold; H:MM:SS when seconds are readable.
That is **2:31**
